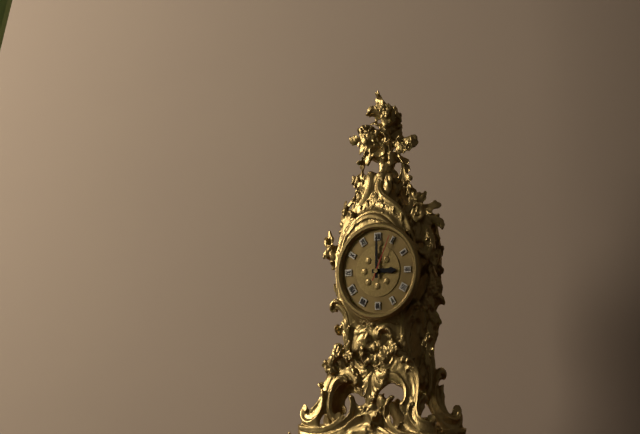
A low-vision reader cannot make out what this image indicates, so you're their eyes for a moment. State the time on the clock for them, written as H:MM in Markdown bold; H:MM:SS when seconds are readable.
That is **3:00**
